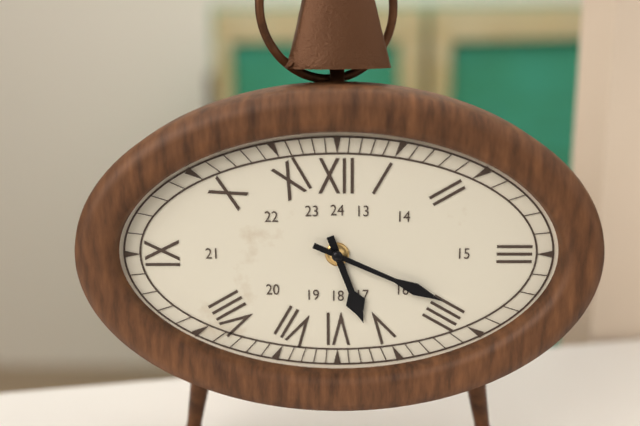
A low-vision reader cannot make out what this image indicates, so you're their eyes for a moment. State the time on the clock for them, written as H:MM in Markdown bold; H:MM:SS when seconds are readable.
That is **5:19**
